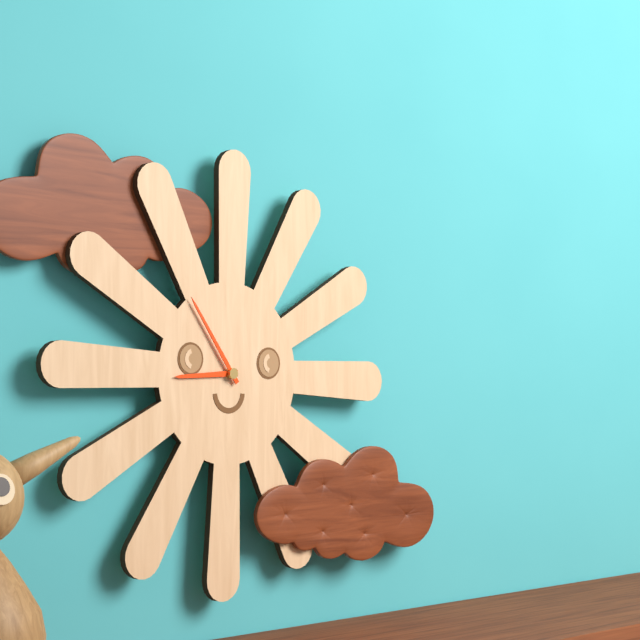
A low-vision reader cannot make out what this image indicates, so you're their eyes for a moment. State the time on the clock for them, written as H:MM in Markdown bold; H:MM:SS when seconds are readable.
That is **8:54**
